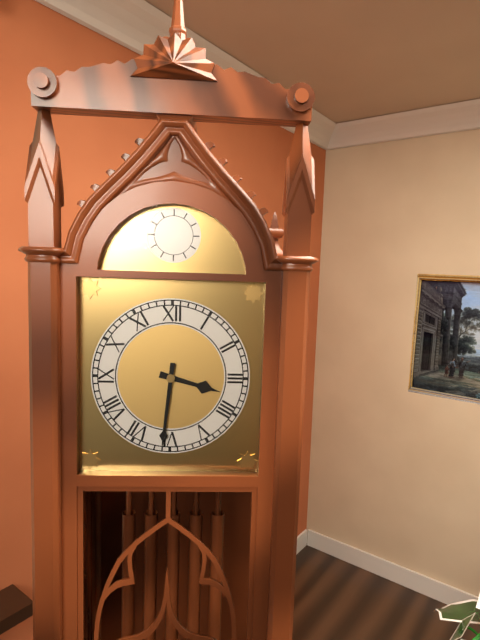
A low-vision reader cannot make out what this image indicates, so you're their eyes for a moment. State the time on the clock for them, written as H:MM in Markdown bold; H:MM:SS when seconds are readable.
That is **3:31**
